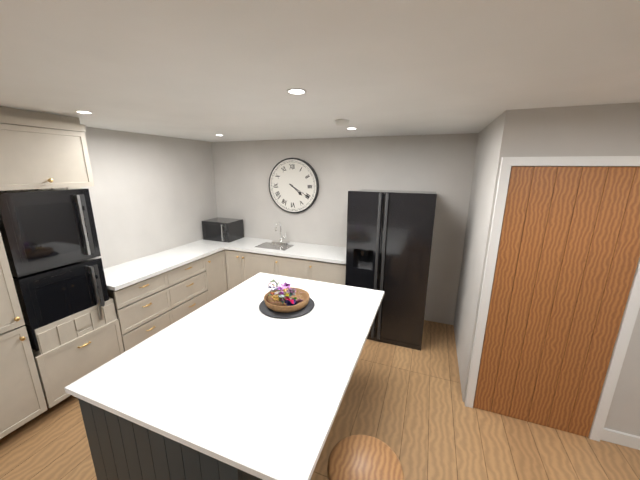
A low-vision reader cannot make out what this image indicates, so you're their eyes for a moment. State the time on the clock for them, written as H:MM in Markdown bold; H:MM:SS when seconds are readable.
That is **4:20**
